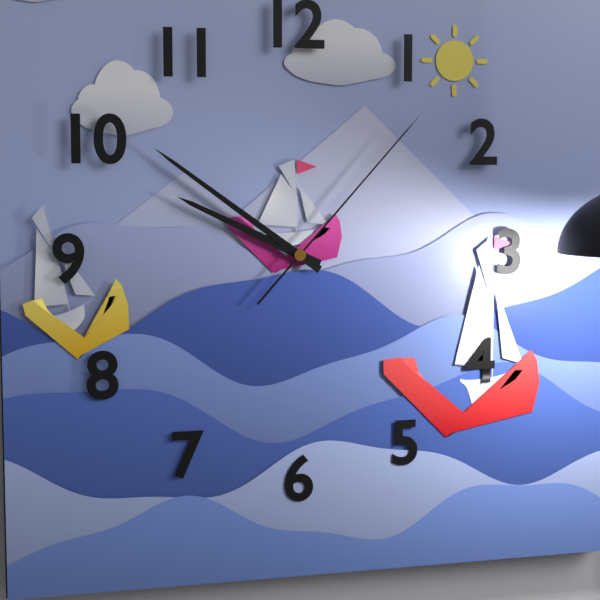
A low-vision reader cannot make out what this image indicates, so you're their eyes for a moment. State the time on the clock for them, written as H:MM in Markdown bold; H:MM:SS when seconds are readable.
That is **9:51:07**
